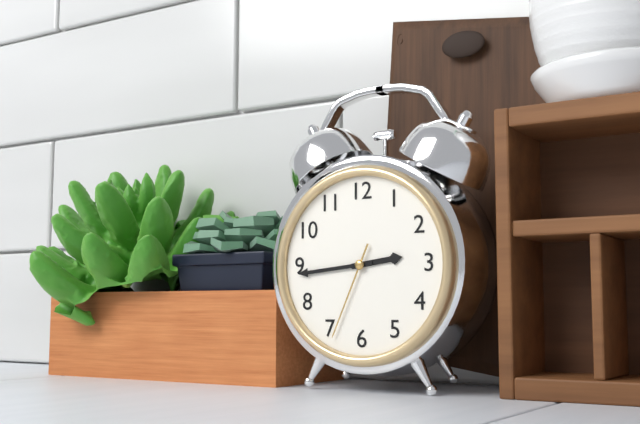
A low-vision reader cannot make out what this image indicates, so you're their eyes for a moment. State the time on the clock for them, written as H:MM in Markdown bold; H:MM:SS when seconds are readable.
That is **2:44:34**
